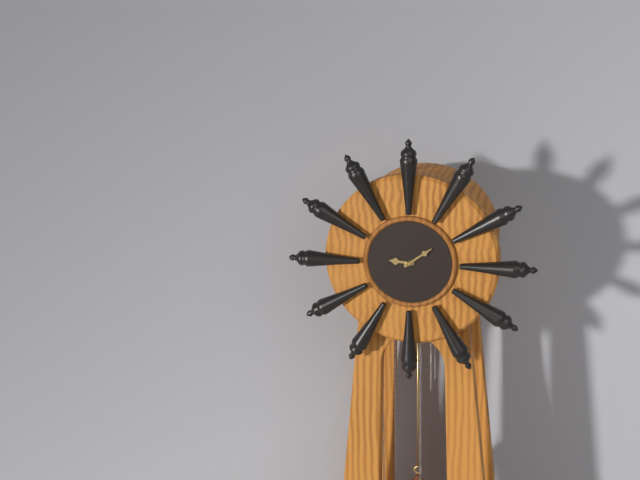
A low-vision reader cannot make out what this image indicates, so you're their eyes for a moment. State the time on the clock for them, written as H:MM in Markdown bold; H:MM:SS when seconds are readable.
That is **9:09**
